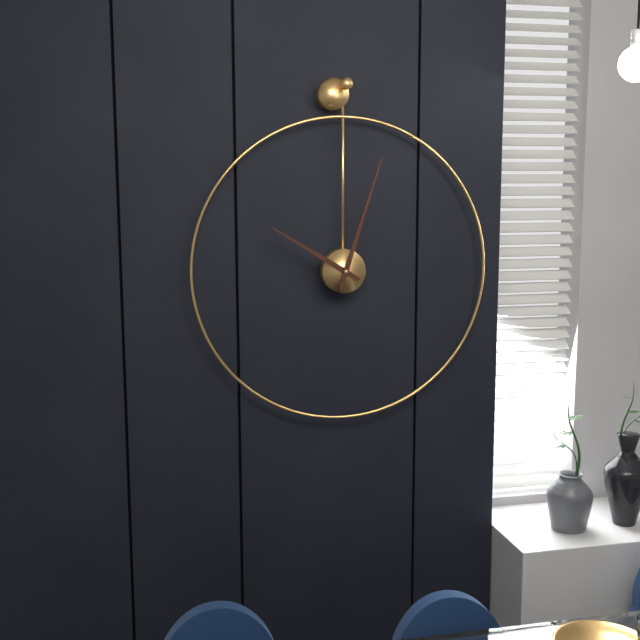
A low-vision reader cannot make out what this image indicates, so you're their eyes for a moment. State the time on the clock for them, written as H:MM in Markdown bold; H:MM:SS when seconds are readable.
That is **10:03**
